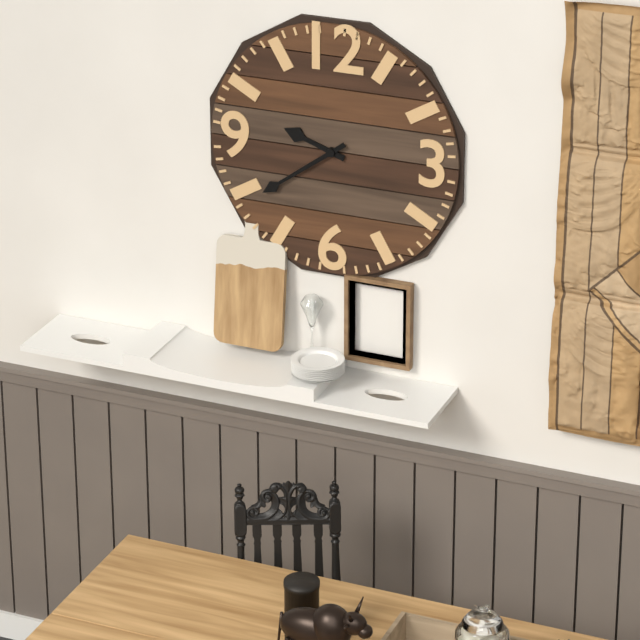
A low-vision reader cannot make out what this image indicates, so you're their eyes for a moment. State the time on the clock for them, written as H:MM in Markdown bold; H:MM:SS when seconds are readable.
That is **9:39**
